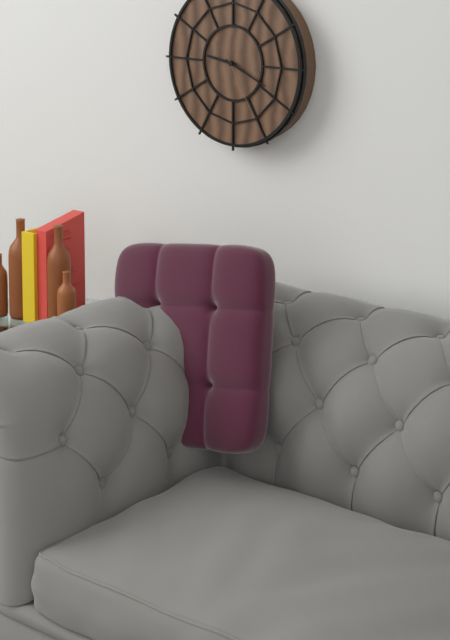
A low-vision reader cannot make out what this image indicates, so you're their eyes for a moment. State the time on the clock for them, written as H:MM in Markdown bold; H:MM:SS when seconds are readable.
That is **9:19:25**
